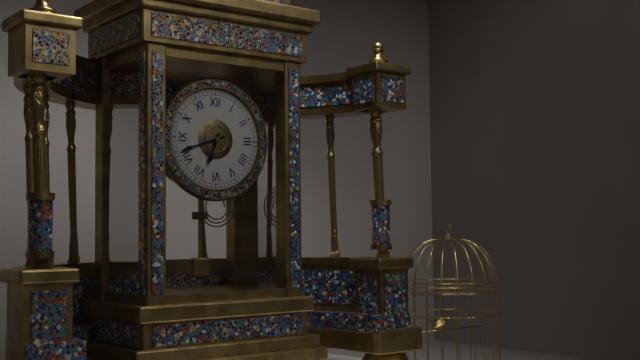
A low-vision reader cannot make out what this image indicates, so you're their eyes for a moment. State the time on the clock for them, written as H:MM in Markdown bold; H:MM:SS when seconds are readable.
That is **6:42**
